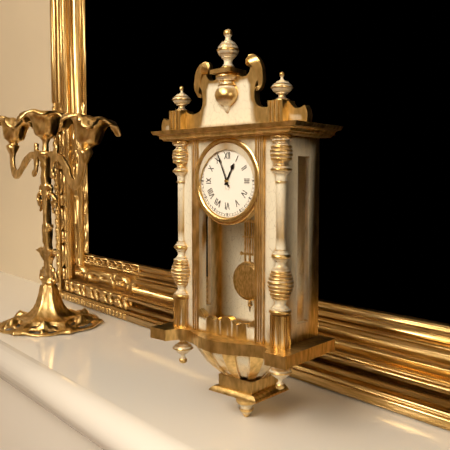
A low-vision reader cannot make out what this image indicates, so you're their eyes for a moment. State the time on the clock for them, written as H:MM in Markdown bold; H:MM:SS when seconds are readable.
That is **12:56**
